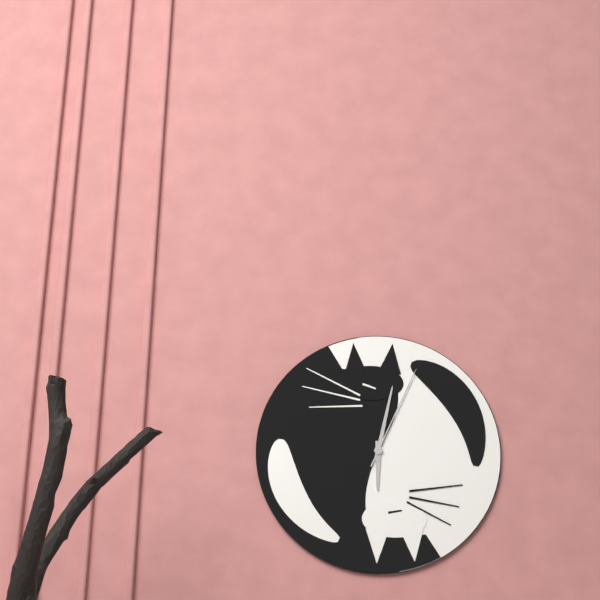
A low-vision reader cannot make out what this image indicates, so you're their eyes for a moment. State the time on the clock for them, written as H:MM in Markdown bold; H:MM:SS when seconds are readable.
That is **6:02:04**
